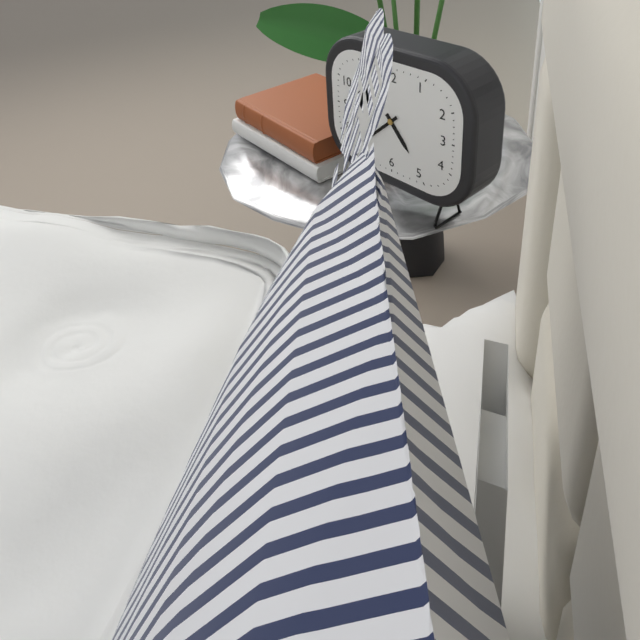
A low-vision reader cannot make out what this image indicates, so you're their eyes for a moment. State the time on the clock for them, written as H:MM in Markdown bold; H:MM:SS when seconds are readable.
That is **4:38**
